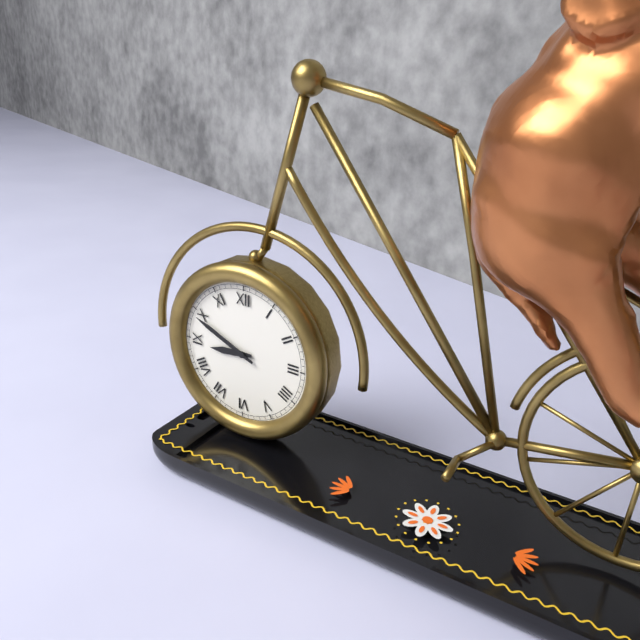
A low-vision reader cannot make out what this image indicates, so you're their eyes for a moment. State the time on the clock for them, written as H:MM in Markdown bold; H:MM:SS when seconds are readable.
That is **8:49**
